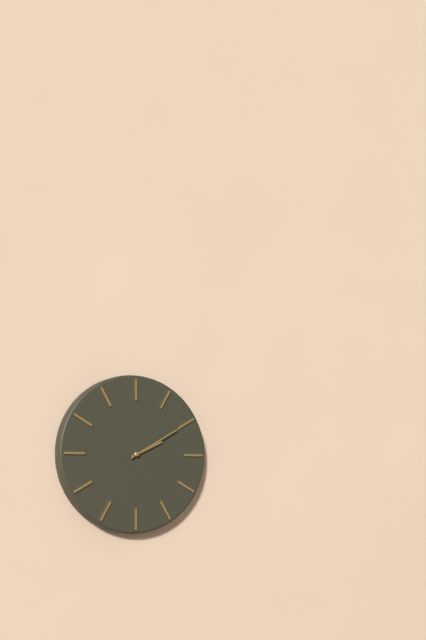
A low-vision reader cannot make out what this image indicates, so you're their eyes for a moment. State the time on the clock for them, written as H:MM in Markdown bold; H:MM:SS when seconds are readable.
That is **2:10**
